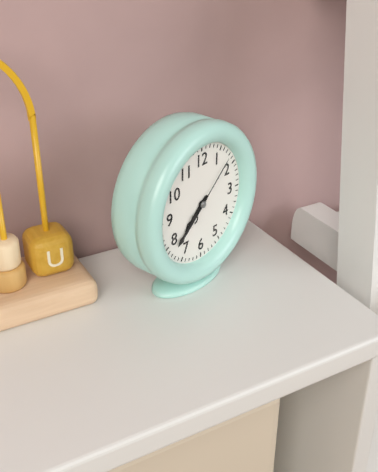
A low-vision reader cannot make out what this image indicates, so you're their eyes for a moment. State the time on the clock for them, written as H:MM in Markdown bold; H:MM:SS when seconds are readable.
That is **7:38:08**
